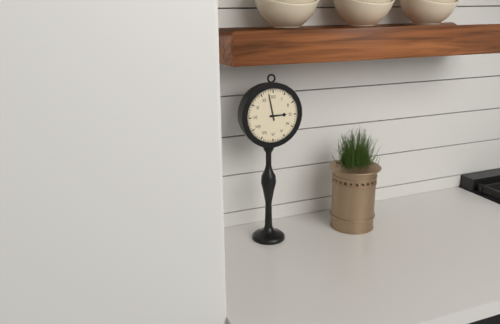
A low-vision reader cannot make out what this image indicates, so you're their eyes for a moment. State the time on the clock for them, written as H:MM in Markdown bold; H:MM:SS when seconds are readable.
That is **2:58**
